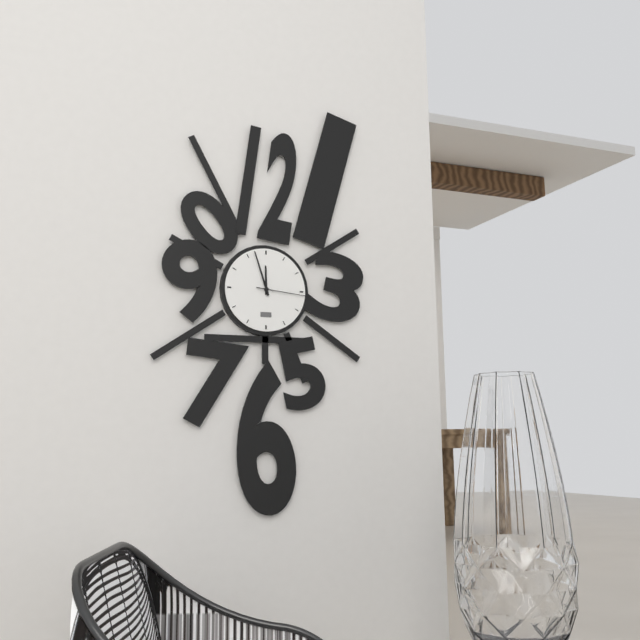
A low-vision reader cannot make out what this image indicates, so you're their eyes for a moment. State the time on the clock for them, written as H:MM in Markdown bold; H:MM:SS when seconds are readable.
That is **11:57:16**
